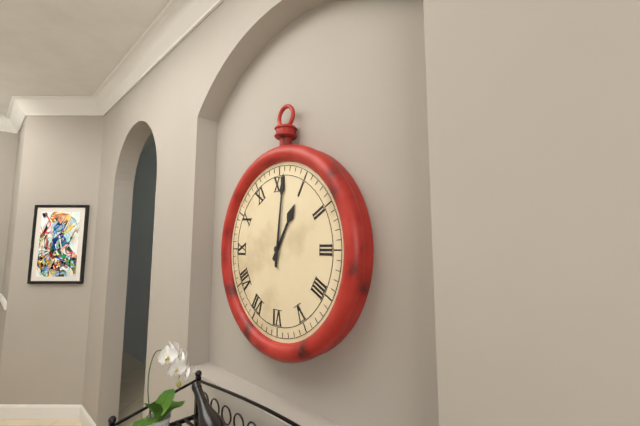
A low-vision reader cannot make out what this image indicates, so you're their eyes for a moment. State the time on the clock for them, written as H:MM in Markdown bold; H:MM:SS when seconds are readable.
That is **1:01**
